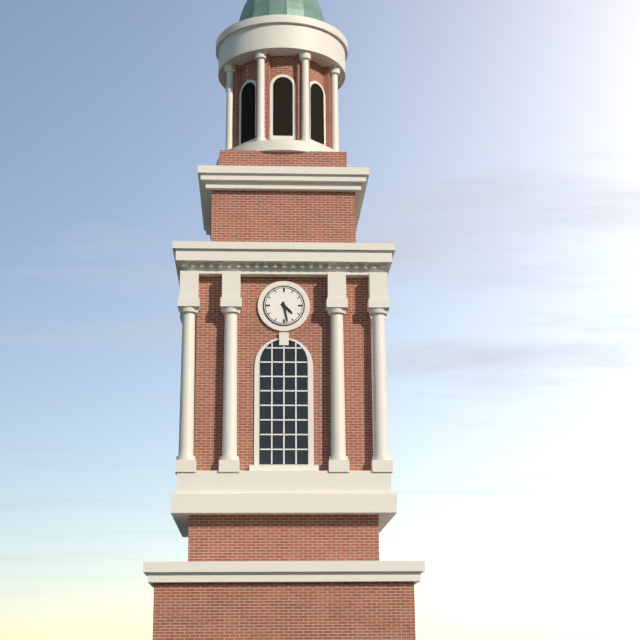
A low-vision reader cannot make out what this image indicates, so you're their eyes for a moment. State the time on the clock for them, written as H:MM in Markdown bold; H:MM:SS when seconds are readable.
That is **4:28**
